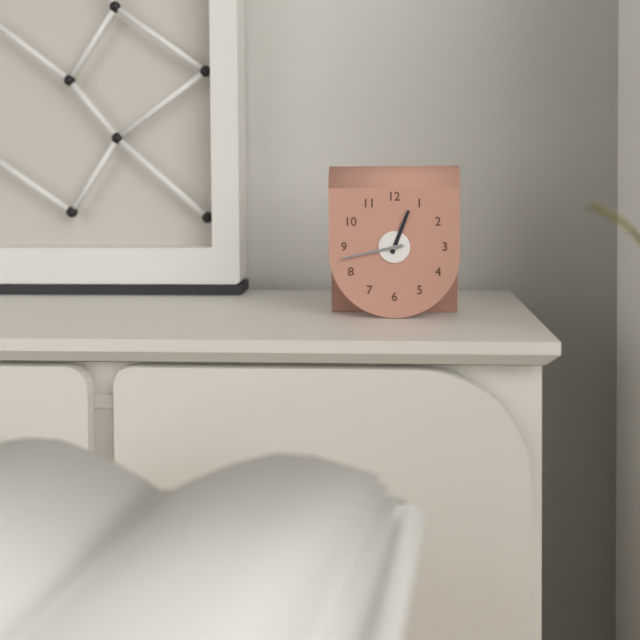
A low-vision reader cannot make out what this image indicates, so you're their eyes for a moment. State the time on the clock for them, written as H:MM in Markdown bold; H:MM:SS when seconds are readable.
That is **12:43**
